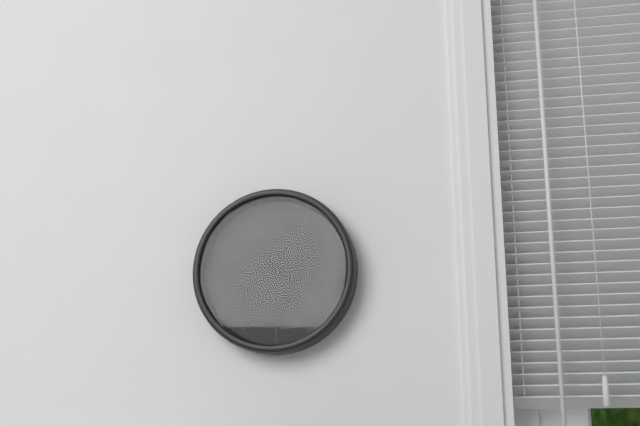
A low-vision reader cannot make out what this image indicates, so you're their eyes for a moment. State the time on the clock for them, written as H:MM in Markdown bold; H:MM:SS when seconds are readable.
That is **2:19:56**
